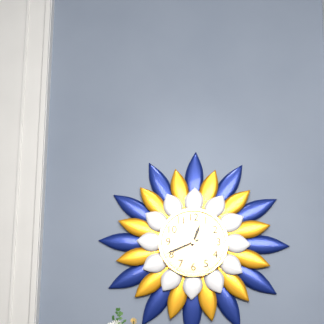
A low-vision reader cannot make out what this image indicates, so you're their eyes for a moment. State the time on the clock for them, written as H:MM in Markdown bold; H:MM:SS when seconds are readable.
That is **12:41**
